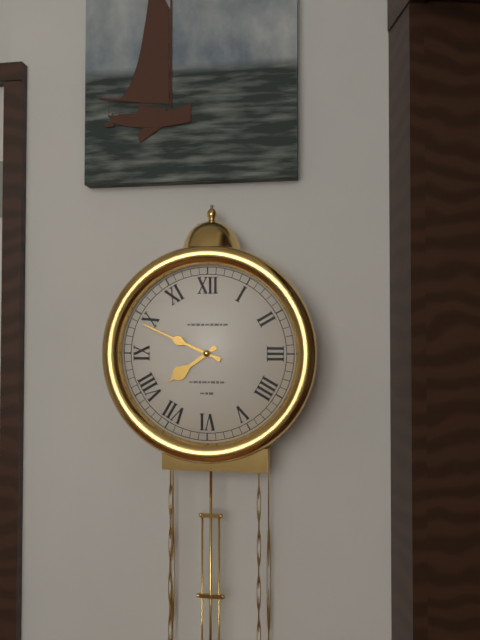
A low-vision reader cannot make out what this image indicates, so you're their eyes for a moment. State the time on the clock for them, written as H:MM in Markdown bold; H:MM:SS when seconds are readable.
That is **7:49**
